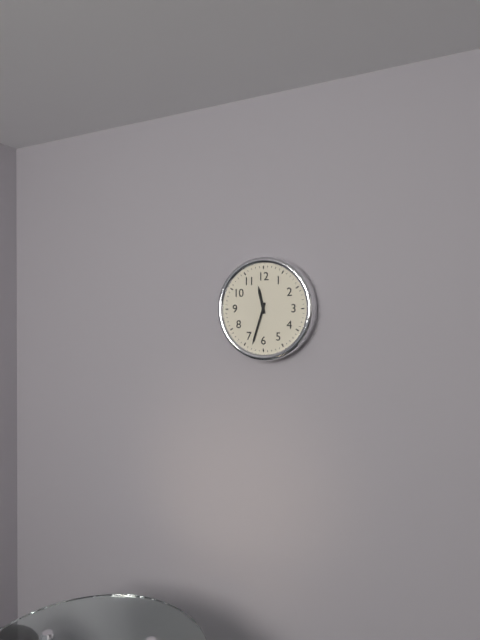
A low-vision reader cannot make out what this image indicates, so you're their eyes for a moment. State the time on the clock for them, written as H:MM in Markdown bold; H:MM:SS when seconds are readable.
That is **11:33**
